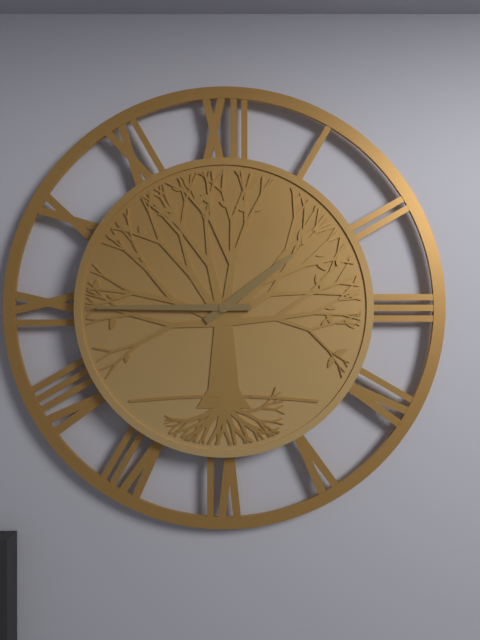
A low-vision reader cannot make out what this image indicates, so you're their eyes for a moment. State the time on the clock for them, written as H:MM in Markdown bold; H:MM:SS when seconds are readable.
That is **1:45**
